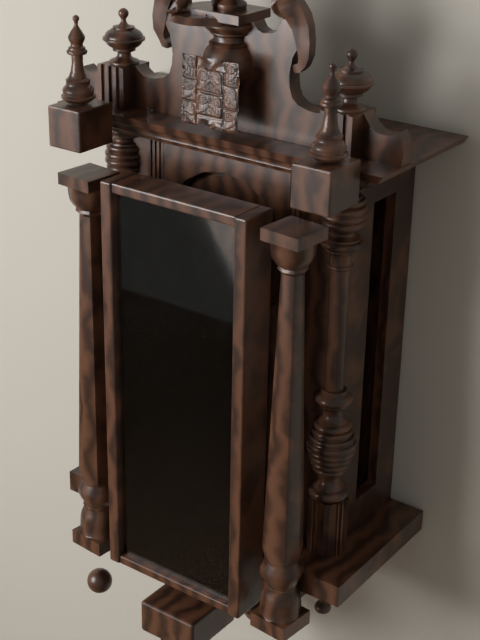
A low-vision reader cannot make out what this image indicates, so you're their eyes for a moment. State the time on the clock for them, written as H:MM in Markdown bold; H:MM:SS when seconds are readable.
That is **1:57**
